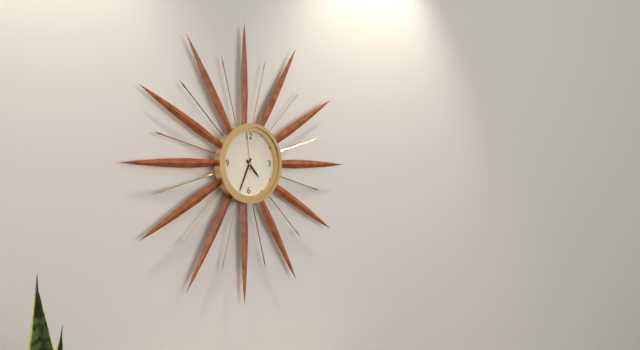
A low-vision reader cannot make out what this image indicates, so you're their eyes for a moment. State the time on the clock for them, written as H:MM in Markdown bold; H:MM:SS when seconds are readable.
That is **4:34**
